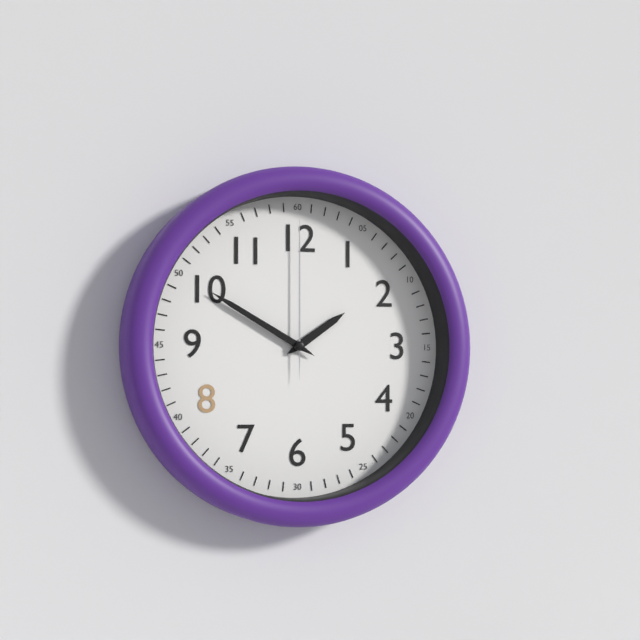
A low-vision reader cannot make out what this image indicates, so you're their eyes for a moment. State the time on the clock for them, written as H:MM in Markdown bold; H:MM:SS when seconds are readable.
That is **1:50:00**
